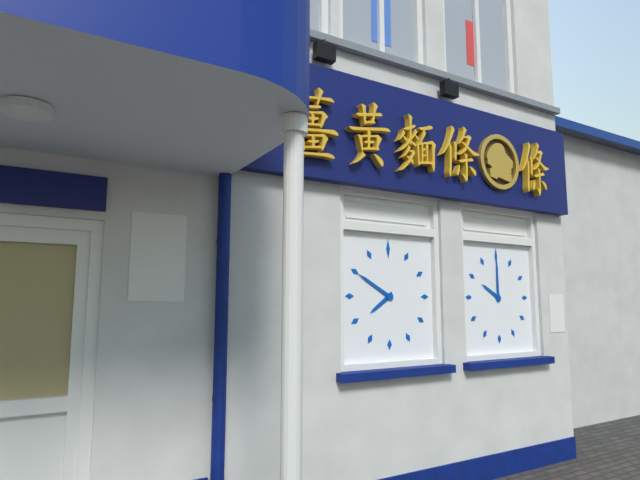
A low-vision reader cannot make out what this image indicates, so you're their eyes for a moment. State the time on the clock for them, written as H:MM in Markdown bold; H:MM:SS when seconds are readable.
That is **7:50**
